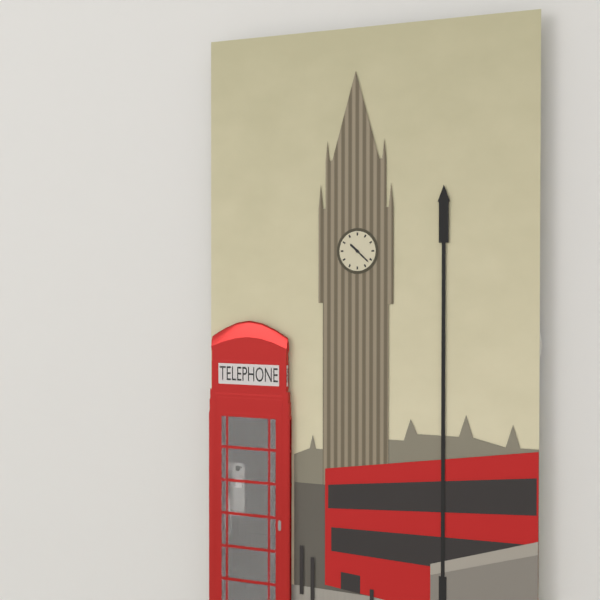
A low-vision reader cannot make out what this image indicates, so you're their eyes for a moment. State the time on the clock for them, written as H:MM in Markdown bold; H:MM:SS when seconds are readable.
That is **10:22**
